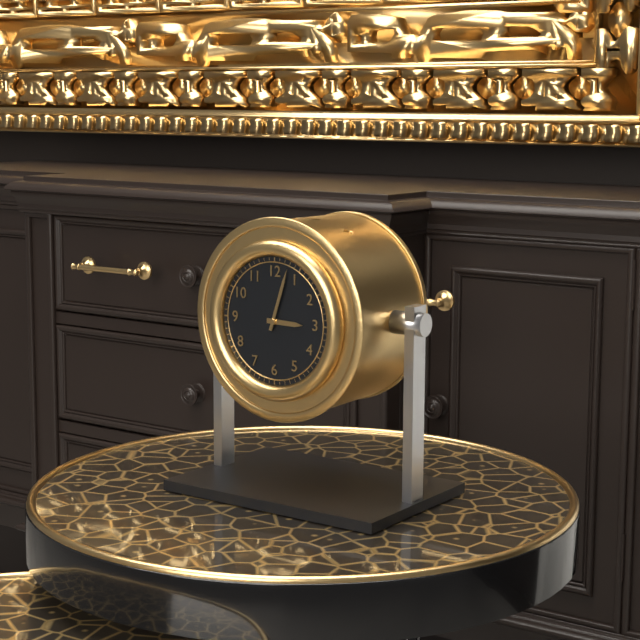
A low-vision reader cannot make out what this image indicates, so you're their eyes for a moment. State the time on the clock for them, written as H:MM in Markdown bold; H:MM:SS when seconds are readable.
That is **3:03**
